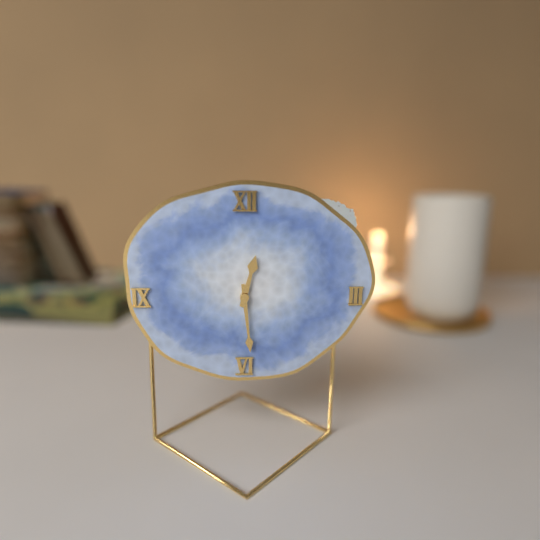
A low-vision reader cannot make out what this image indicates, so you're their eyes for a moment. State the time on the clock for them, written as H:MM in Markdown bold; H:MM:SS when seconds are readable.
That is **12:29**
